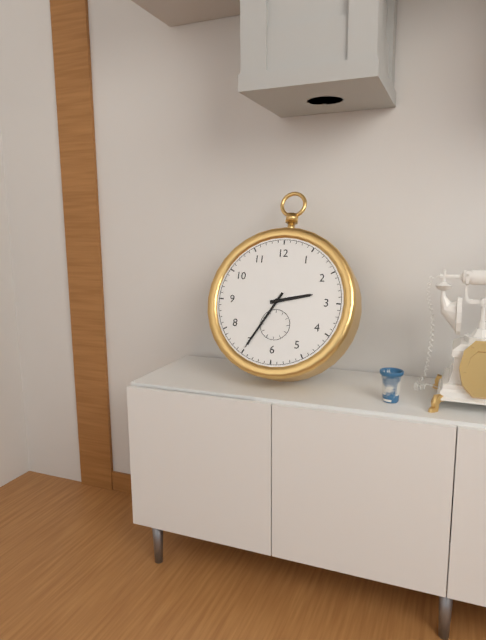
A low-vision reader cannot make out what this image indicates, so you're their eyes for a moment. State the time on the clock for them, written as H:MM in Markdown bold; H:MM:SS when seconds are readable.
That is **2:35**
